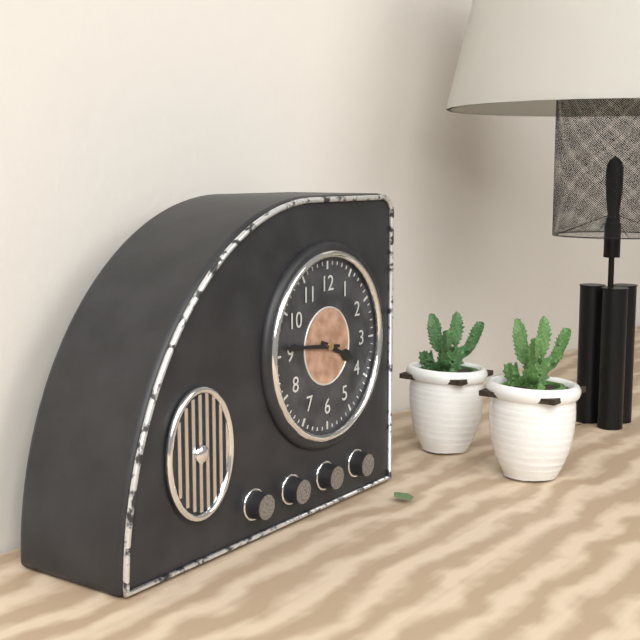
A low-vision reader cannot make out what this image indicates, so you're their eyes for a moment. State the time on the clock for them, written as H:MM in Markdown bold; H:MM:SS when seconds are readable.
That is **3:46**
